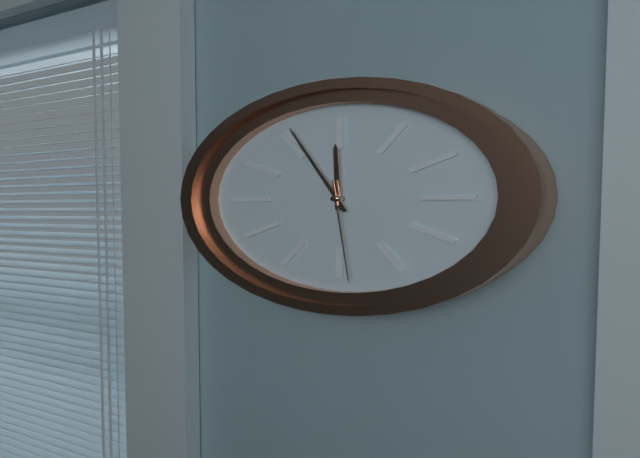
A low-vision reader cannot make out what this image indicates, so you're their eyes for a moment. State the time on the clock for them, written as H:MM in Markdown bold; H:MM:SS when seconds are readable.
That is **11:56:29**
